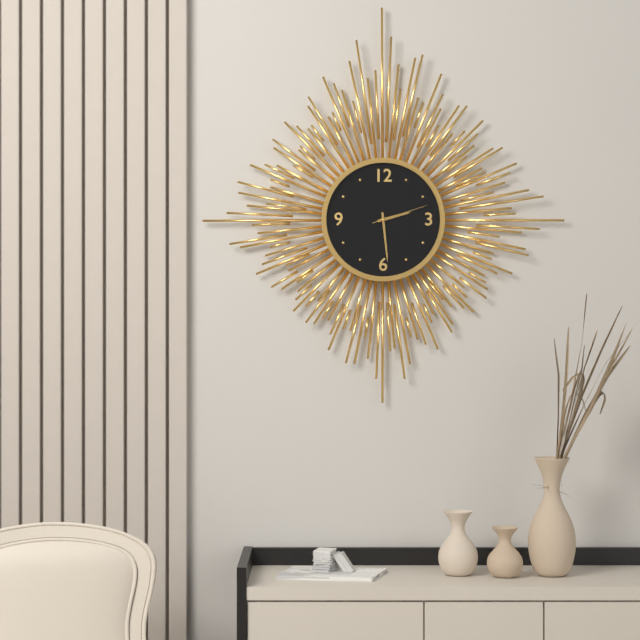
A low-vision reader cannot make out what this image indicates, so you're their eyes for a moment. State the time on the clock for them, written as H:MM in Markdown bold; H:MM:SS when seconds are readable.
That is **2:29:12**
